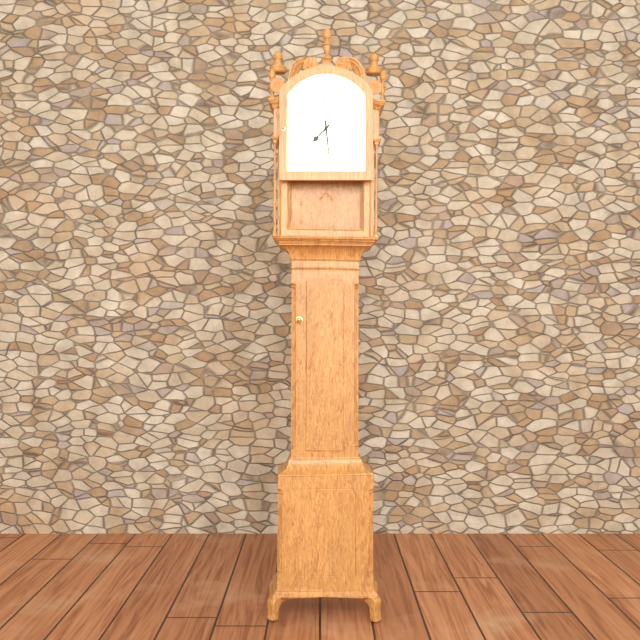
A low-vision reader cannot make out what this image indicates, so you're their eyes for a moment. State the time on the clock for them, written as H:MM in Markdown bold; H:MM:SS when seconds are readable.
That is **7:29**
